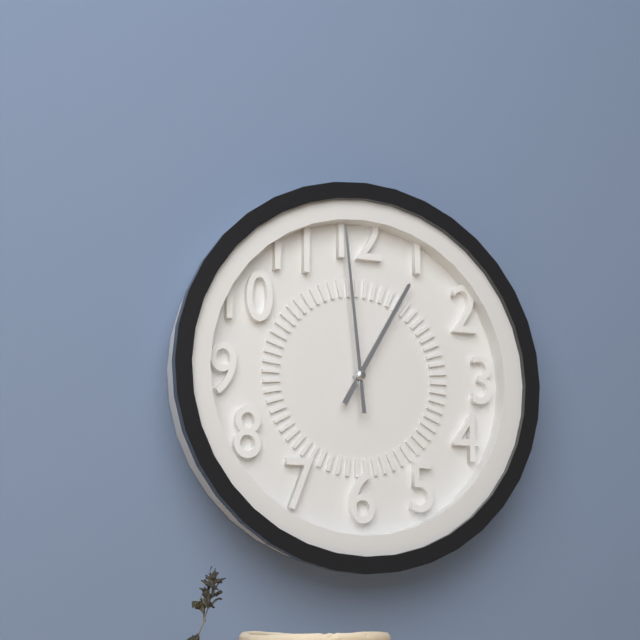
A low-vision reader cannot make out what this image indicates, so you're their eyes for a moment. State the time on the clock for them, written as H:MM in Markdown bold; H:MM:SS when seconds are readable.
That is **12:59**
